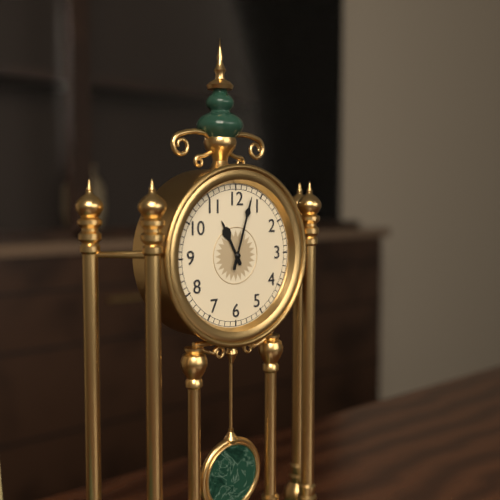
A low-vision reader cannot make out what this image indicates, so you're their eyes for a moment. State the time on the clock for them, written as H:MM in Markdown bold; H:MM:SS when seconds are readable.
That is **11:03**
